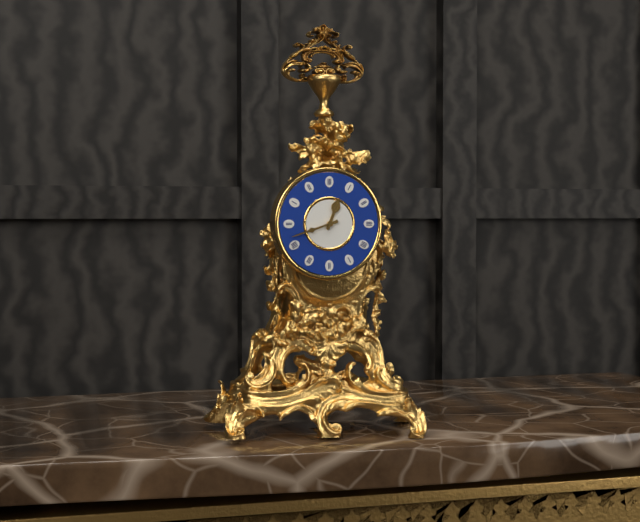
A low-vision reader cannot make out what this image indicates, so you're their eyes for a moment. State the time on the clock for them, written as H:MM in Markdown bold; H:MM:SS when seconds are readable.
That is **12:42**
